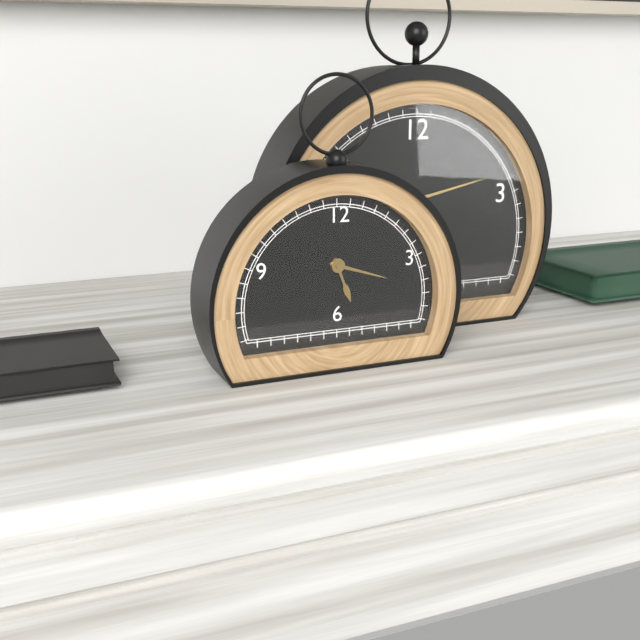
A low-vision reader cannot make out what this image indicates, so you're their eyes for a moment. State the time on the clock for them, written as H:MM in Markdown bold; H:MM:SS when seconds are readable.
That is **5:18**
